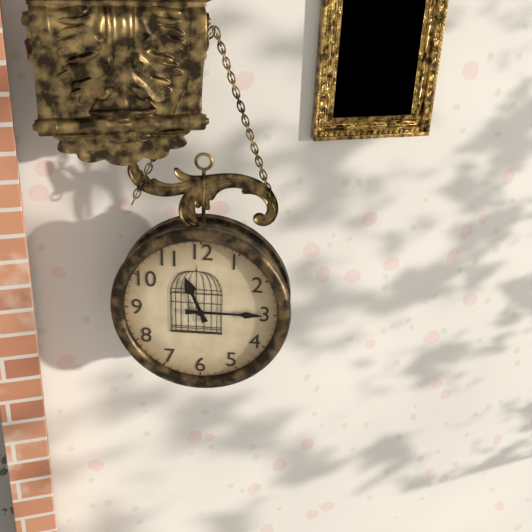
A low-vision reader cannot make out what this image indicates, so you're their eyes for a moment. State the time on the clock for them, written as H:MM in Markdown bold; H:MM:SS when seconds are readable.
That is **11:15**
